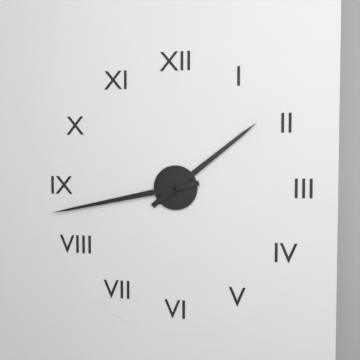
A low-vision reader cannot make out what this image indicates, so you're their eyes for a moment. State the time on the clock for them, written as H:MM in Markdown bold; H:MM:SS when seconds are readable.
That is **1:43**
